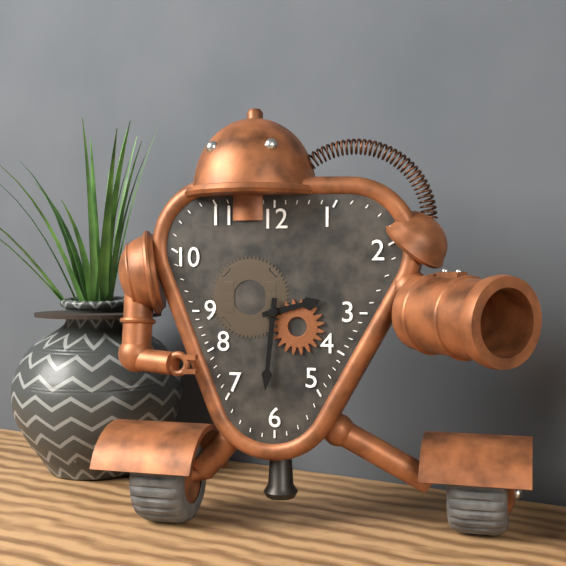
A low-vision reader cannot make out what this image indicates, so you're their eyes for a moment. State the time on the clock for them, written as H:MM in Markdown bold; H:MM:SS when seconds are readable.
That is **2:31**
